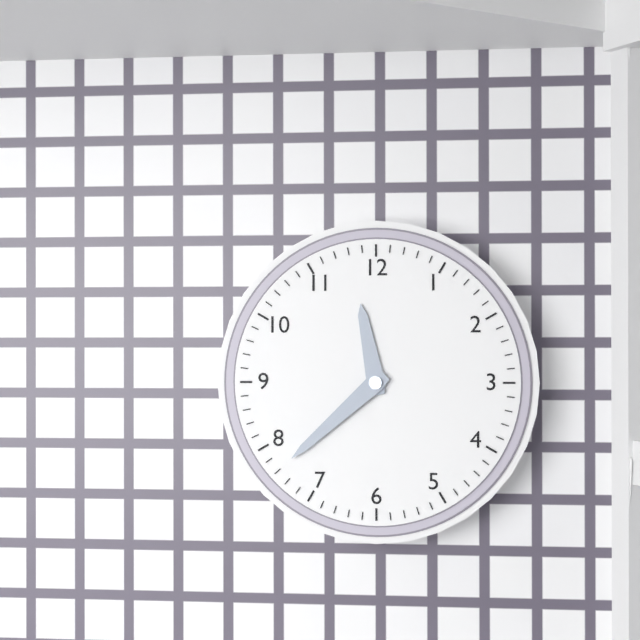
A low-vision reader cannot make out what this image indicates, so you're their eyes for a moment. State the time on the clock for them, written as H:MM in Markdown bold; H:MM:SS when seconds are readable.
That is **11:38**
